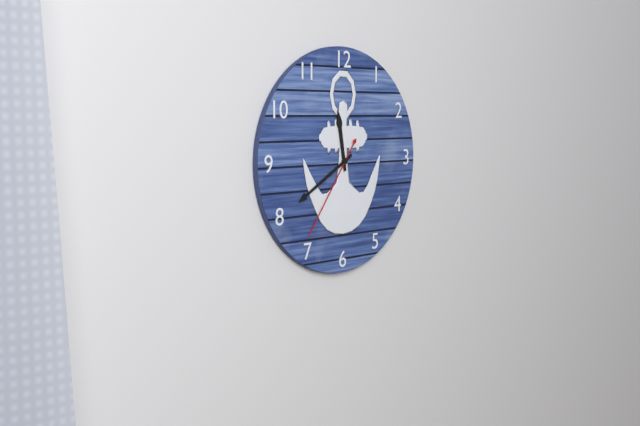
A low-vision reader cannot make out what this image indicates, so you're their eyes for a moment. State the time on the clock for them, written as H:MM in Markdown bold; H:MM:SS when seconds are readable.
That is **11:40:36**
